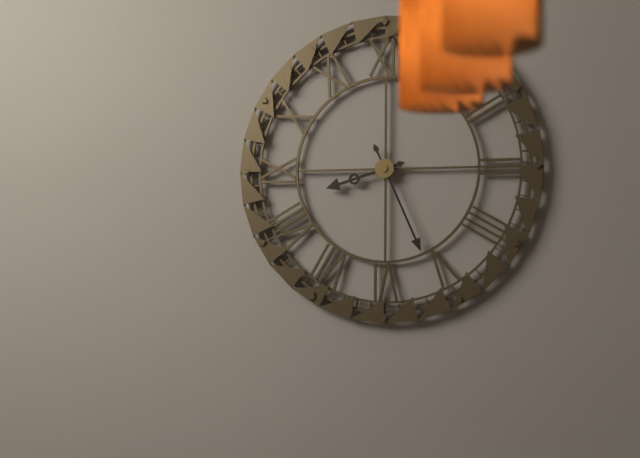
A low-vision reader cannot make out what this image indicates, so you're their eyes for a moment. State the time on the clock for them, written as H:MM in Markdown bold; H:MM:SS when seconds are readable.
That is **8:26**
